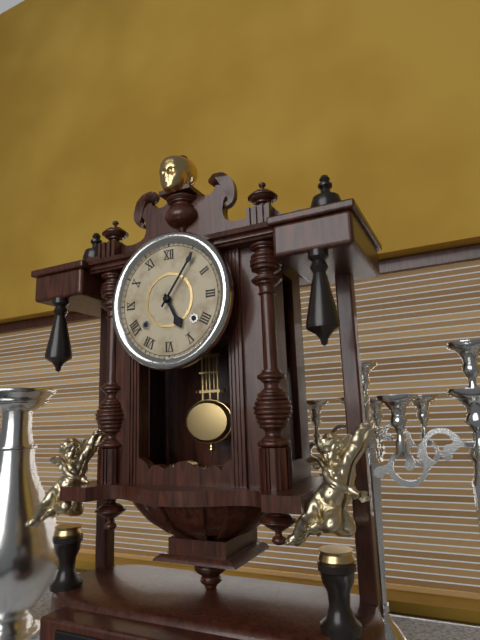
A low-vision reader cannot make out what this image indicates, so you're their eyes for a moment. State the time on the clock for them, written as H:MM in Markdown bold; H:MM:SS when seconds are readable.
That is **5:06**
